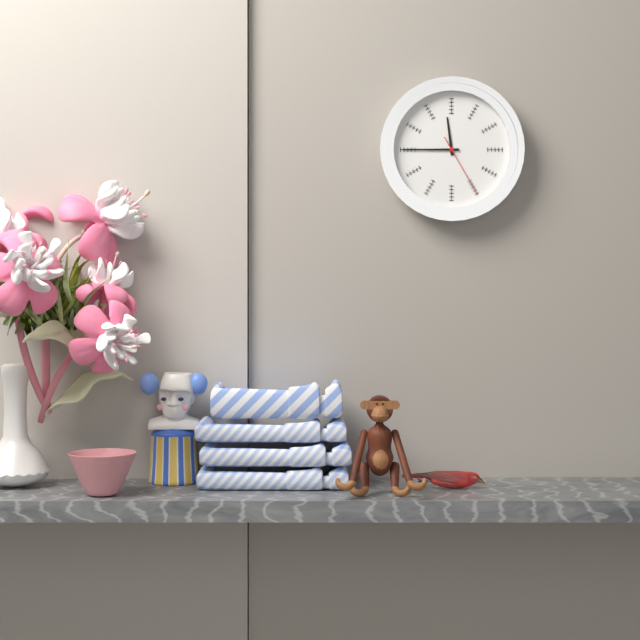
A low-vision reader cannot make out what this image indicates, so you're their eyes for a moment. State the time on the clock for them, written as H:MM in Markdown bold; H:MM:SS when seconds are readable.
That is **11:45:25**
